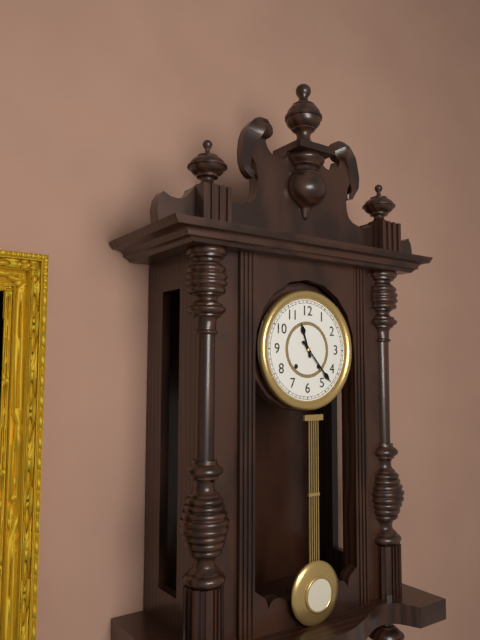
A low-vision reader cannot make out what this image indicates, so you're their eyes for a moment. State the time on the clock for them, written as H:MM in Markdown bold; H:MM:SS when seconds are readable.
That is **11:23**
